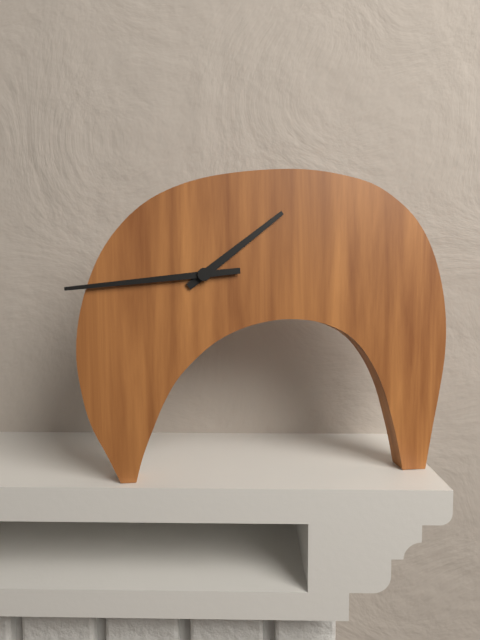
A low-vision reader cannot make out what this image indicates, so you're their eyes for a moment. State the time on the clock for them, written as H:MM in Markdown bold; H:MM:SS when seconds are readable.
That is **1:44**
